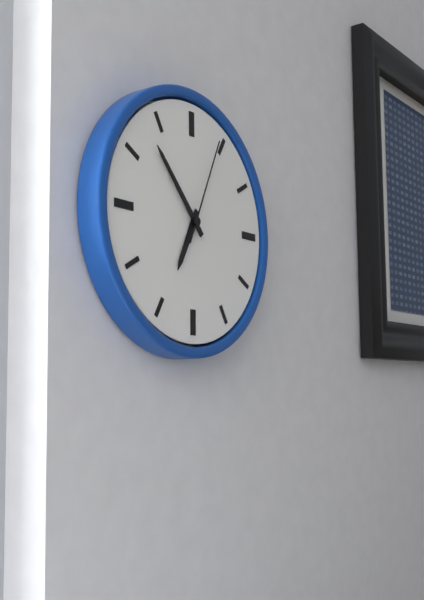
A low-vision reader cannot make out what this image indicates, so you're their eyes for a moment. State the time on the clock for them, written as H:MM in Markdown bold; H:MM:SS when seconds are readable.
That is **6:53:04**
